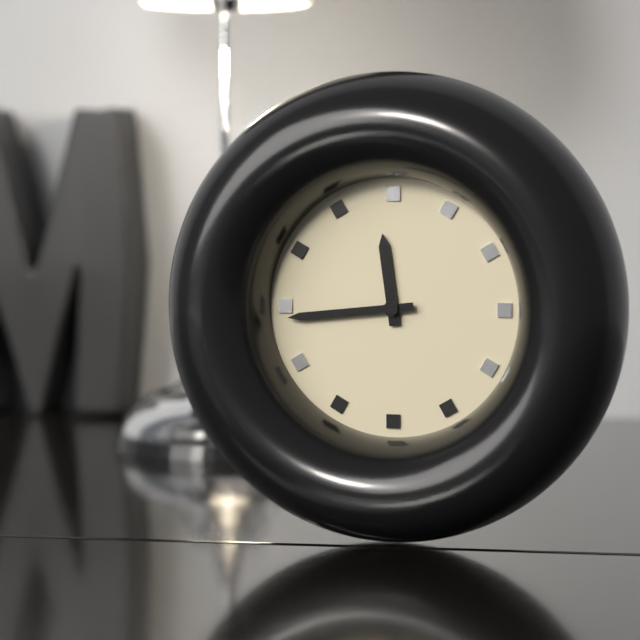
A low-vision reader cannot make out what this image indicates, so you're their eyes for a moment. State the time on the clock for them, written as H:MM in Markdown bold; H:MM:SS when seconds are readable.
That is **11:44**
